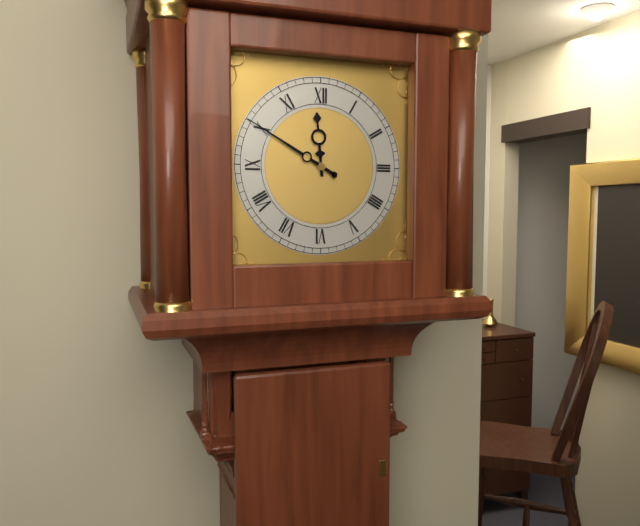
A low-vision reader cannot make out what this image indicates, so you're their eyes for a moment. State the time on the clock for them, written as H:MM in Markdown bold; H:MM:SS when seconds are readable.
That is **11:50**
